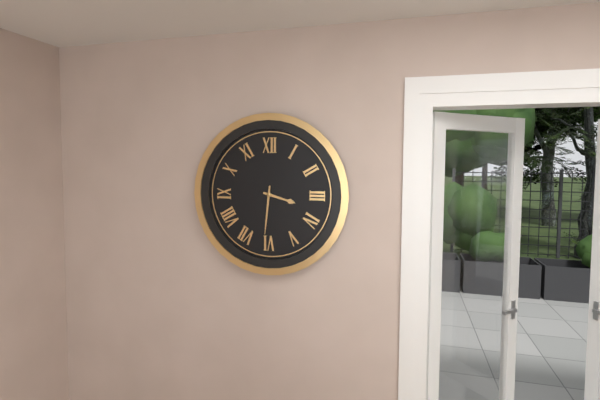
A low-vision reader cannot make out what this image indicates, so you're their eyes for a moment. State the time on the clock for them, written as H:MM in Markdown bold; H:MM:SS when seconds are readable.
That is **3:31**
